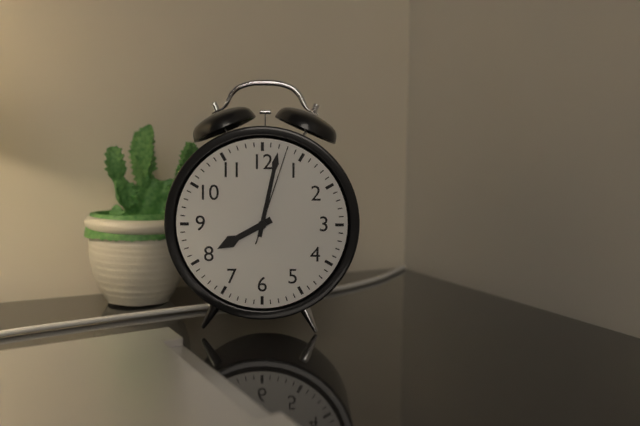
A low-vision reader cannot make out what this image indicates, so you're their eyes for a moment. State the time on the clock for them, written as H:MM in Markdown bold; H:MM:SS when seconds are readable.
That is **8:02:03**
